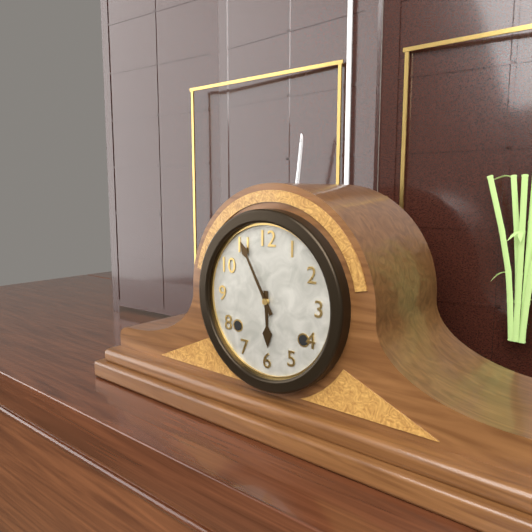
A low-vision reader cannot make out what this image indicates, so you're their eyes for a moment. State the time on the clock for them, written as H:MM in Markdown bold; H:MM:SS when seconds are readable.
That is **5:55**
